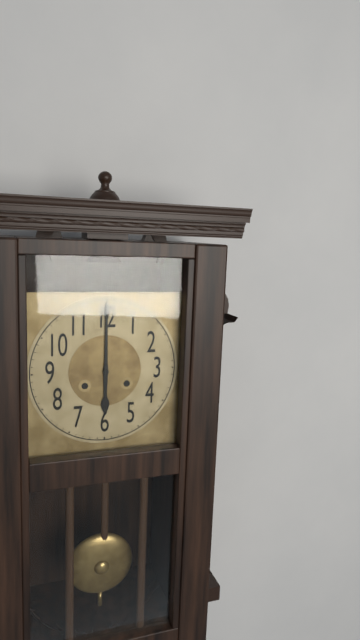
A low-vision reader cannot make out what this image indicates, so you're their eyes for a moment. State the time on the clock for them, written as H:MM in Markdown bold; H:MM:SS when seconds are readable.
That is **6:00**
